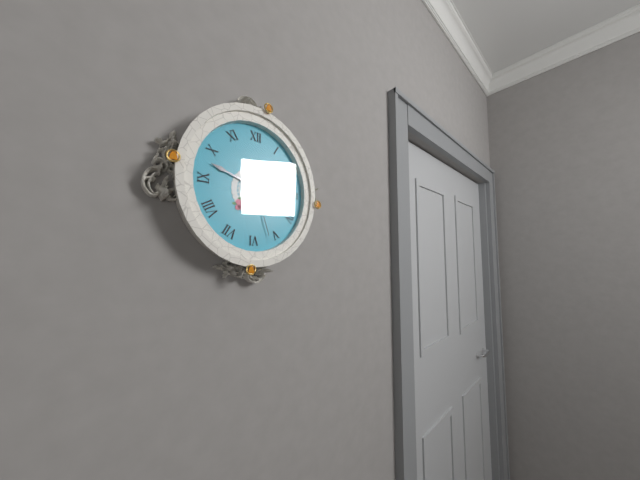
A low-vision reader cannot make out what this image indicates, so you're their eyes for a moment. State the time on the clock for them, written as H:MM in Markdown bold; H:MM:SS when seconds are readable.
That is **1:48:27**
